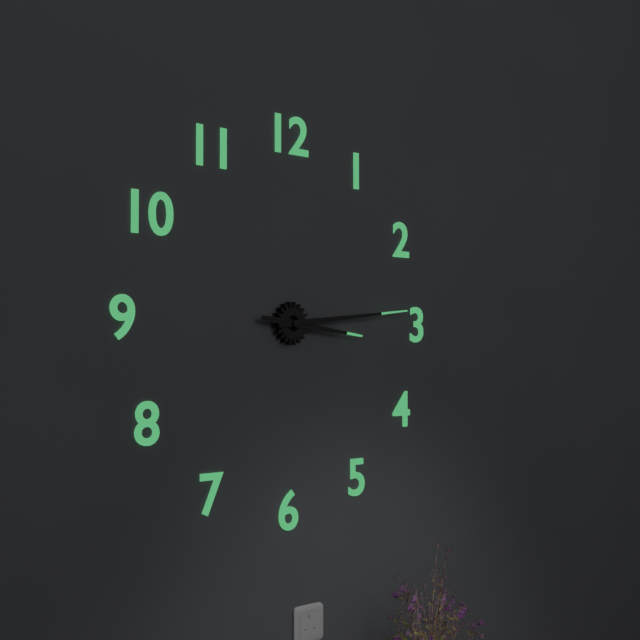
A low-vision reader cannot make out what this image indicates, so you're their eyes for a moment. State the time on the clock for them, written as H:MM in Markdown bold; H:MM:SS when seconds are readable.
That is **3:14**
